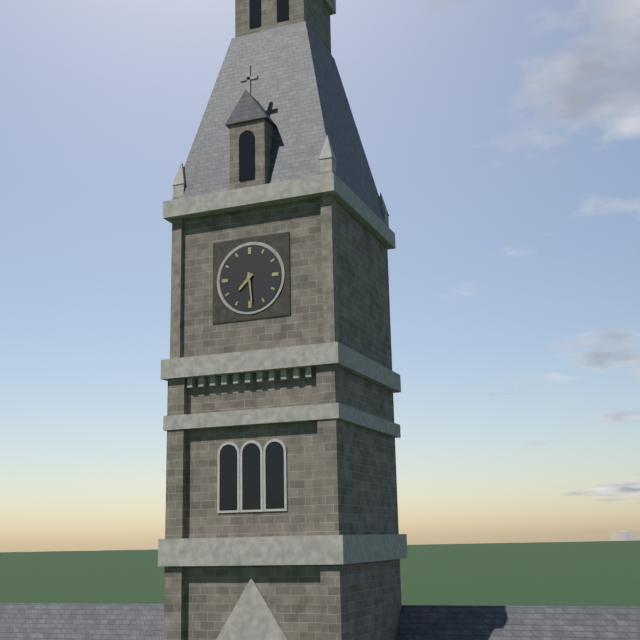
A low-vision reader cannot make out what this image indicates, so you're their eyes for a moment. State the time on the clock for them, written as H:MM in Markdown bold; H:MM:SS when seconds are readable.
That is **7:29**
